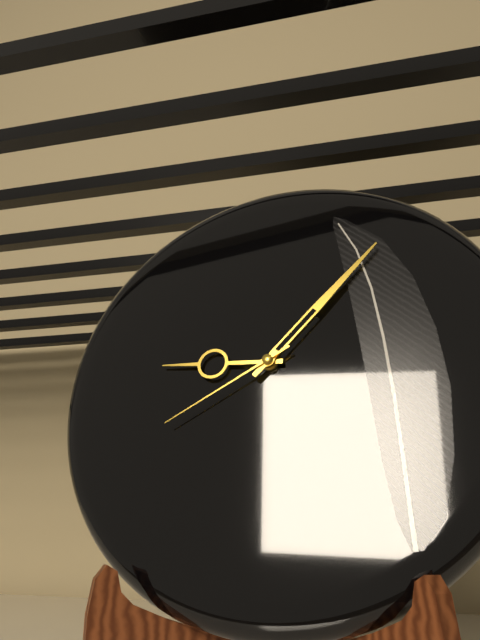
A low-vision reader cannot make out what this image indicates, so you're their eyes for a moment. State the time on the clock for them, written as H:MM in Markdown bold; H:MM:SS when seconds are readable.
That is **9:07:40**
